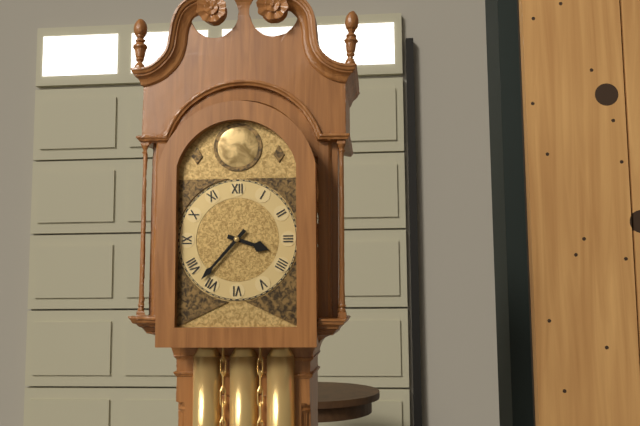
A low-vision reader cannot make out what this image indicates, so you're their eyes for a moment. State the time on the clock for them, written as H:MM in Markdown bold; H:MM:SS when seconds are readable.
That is **3:37**
